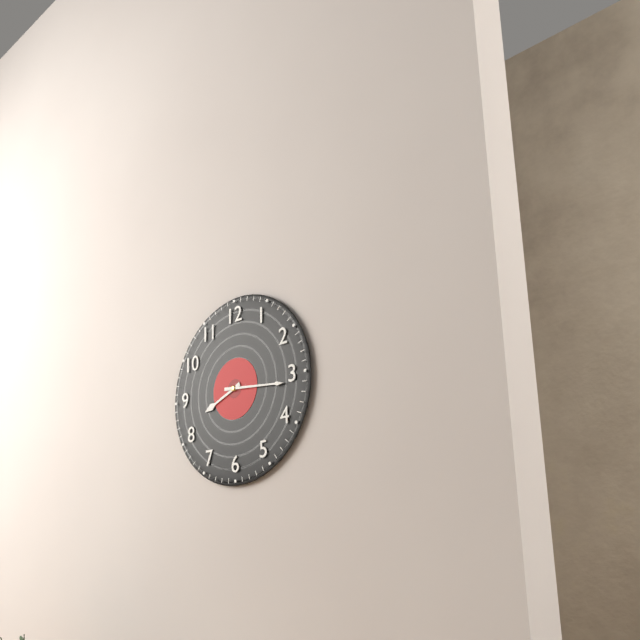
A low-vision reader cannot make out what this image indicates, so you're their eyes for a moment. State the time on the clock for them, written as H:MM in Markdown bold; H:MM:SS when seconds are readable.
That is **8:16**
